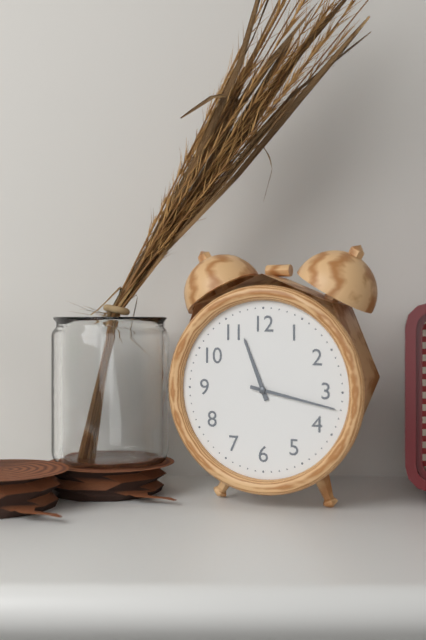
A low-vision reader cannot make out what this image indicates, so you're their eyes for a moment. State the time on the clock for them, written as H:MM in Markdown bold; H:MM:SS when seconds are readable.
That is **11:17**
